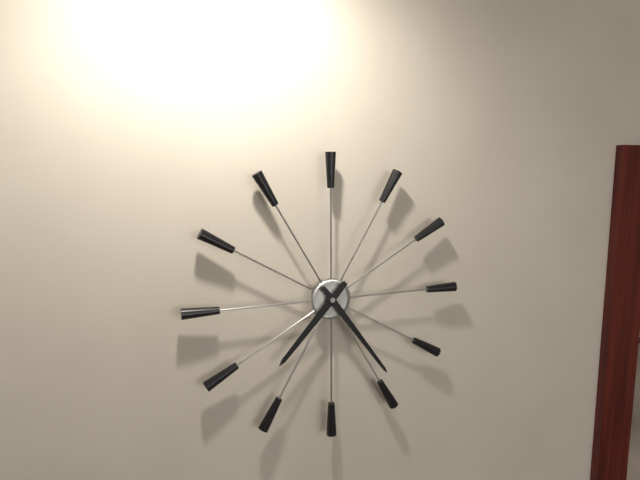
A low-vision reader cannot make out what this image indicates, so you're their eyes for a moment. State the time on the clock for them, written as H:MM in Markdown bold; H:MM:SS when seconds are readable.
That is **7:24**
